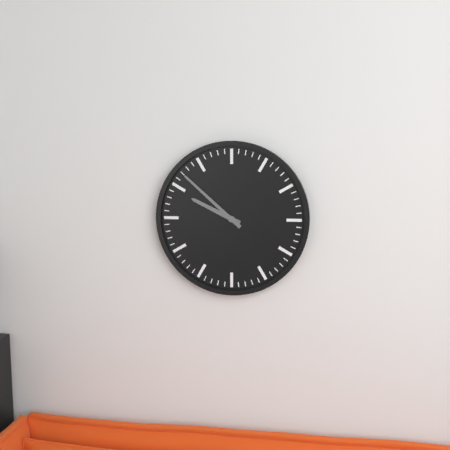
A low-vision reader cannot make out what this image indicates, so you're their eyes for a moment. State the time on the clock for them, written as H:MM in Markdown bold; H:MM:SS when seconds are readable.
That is **9:52**
